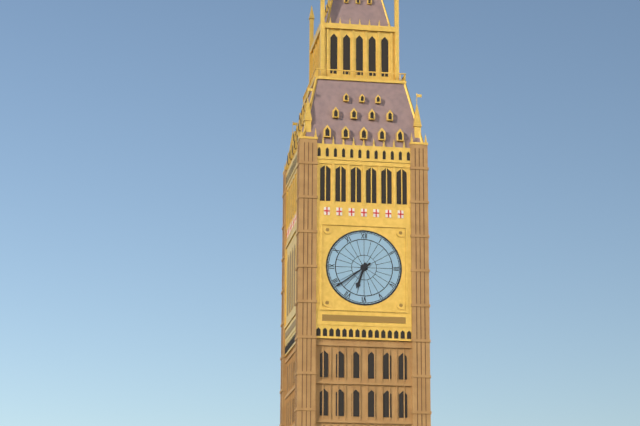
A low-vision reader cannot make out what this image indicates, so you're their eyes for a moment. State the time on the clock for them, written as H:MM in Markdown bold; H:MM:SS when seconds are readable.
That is **6:39**
